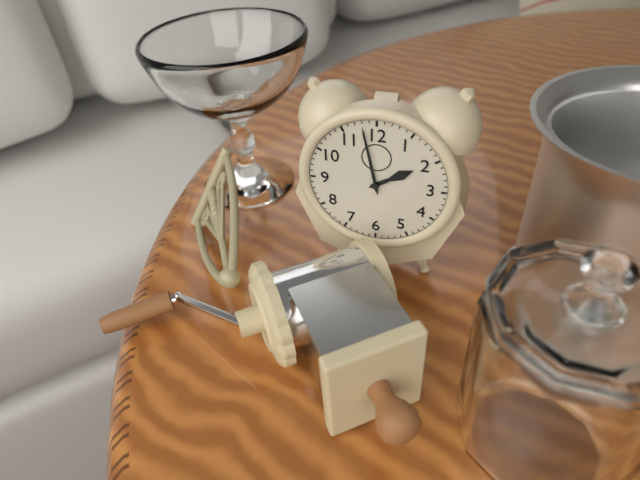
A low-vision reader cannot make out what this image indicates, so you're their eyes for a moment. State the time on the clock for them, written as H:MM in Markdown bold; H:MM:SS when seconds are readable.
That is **1:58**
